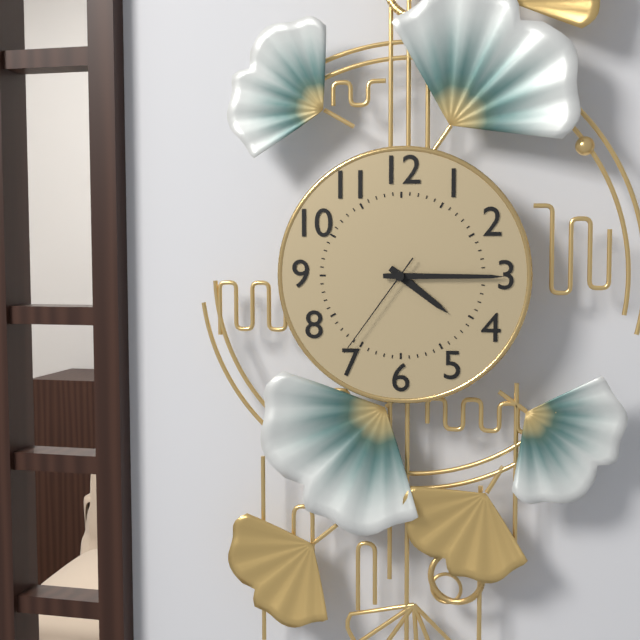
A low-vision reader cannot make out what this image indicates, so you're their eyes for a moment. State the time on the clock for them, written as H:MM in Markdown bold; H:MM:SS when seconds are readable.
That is **4:15:36**
